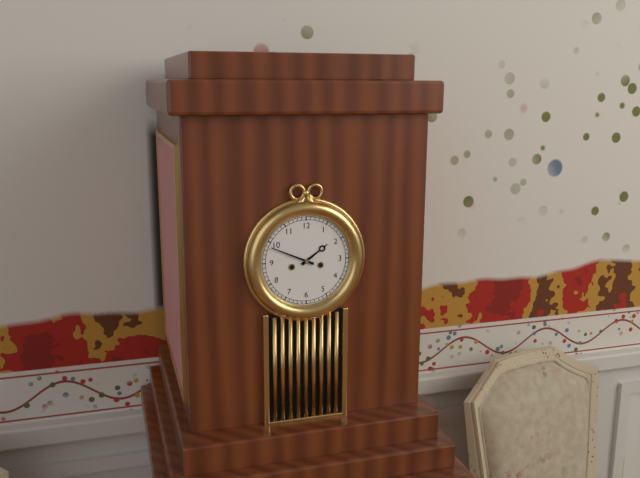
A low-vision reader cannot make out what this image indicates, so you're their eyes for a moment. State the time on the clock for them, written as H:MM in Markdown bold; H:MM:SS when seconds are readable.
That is **1:49**
